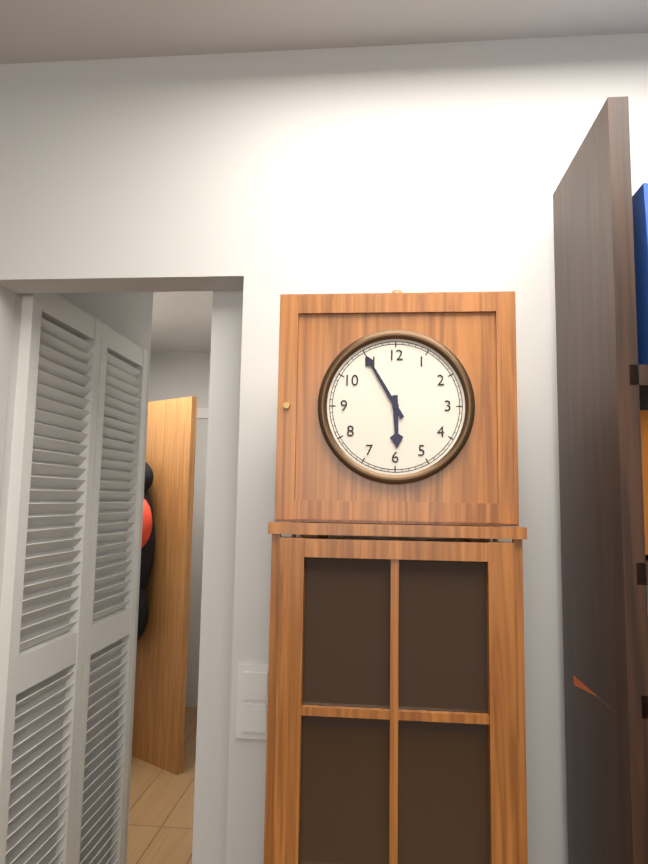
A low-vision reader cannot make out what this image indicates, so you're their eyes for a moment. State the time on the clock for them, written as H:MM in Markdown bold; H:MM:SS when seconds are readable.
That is **5:55**
